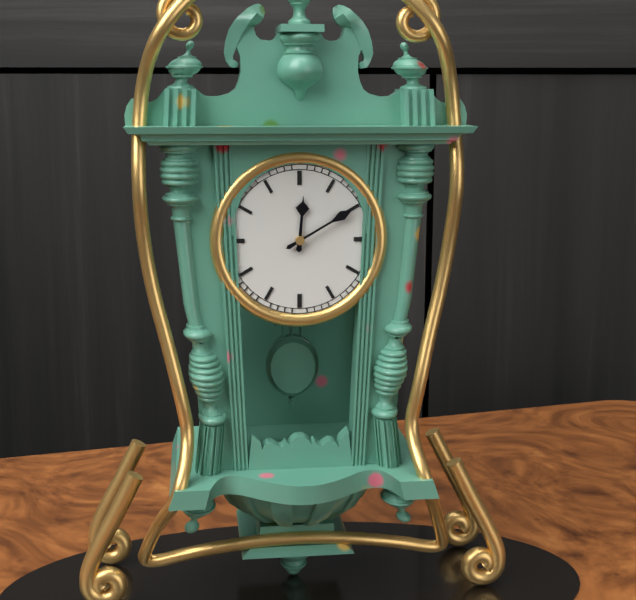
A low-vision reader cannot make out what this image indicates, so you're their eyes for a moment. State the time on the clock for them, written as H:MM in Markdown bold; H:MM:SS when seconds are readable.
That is **12:10**
